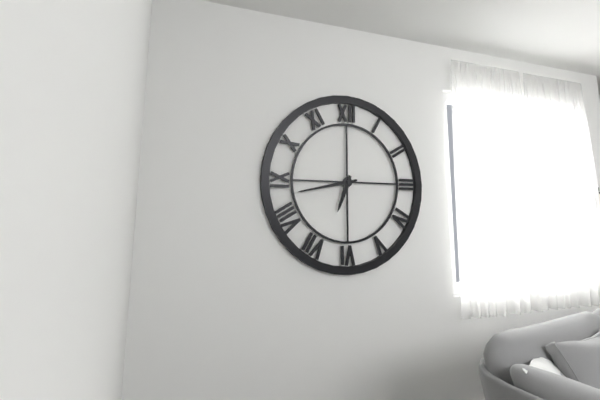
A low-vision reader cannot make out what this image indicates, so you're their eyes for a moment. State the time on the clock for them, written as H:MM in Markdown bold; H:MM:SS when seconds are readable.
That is **6:43**
